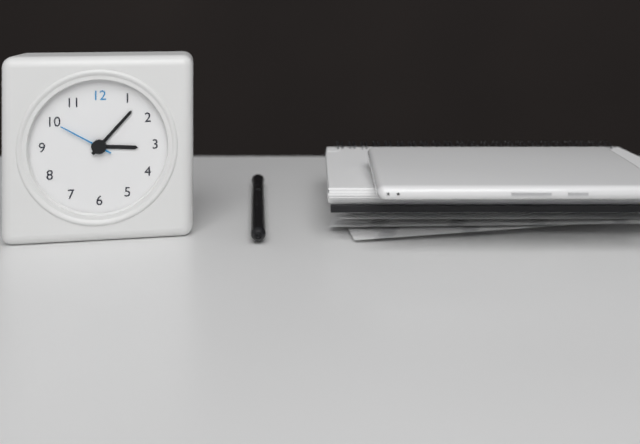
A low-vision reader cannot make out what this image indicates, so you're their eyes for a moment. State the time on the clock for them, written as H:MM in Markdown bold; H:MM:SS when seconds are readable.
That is **3:07:50**
